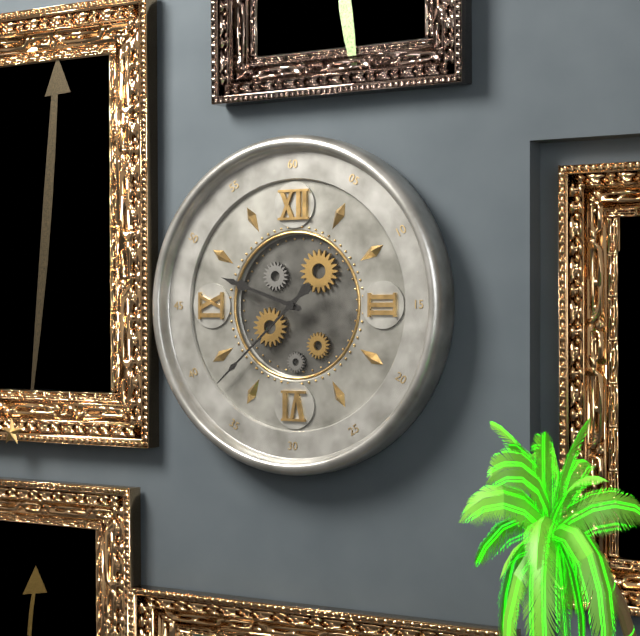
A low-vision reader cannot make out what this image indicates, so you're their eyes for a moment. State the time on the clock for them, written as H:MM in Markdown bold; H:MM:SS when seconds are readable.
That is **9:38**
